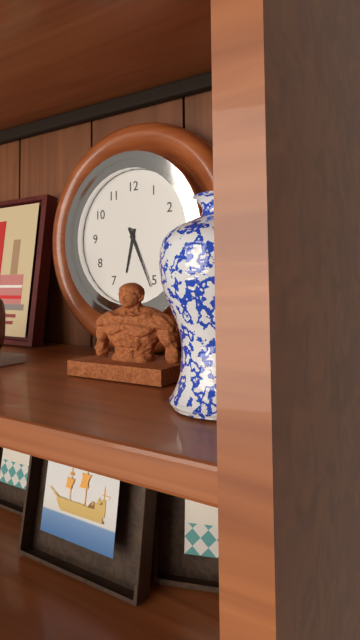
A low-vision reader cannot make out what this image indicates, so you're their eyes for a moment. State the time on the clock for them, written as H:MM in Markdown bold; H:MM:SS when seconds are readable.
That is **6:26**
